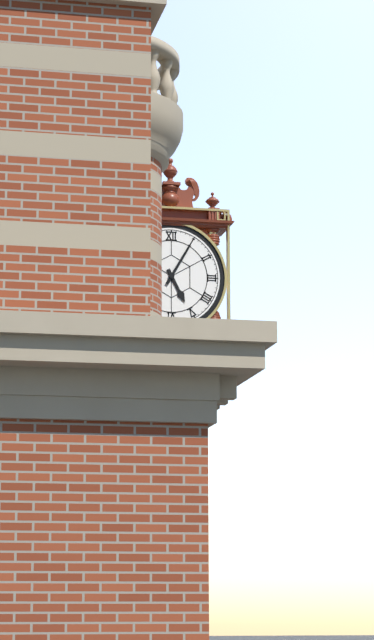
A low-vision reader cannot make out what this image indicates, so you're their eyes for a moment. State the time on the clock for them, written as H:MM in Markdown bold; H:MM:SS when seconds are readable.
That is **5:05**
